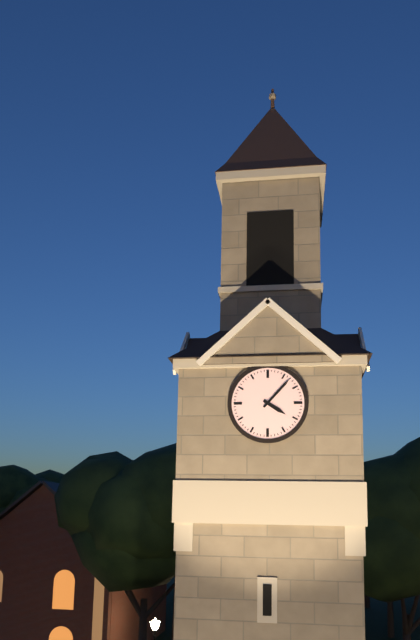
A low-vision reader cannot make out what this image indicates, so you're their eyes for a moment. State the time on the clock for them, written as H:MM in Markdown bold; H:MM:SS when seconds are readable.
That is **4:07**
